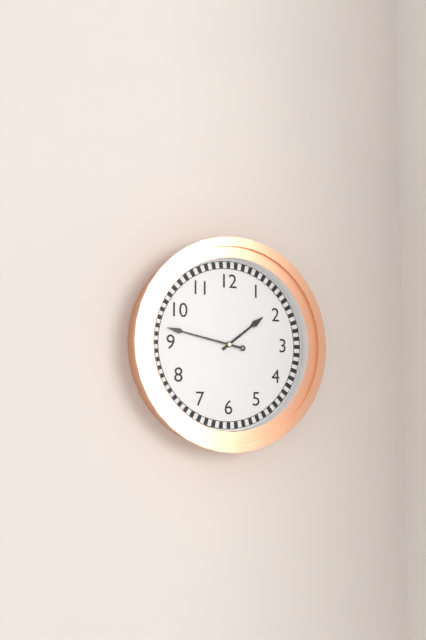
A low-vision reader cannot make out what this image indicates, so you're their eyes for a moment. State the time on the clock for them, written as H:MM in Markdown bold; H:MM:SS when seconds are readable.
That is **1:47**
